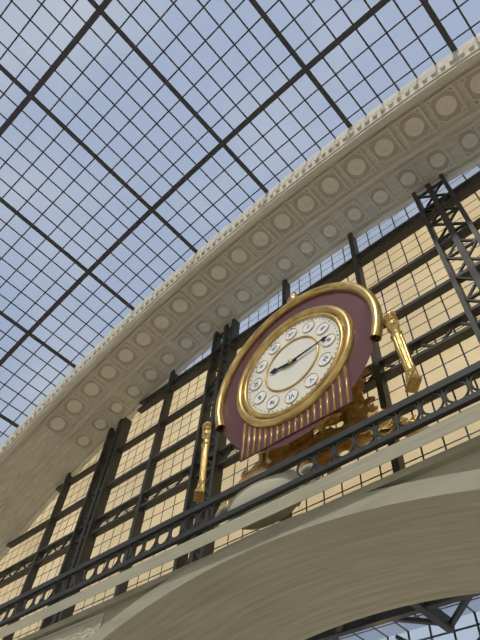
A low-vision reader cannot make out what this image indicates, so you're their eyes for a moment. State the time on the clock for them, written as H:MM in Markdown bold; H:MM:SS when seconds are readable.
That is **9:14**
